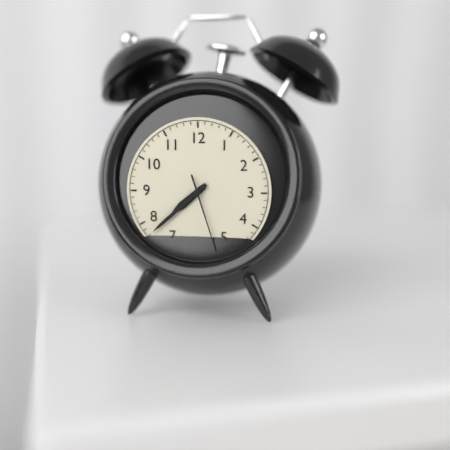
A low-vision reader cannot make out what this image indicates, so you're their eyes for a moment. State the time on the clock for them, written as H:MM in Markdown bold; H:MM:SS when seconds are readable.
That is **7:38:27**
